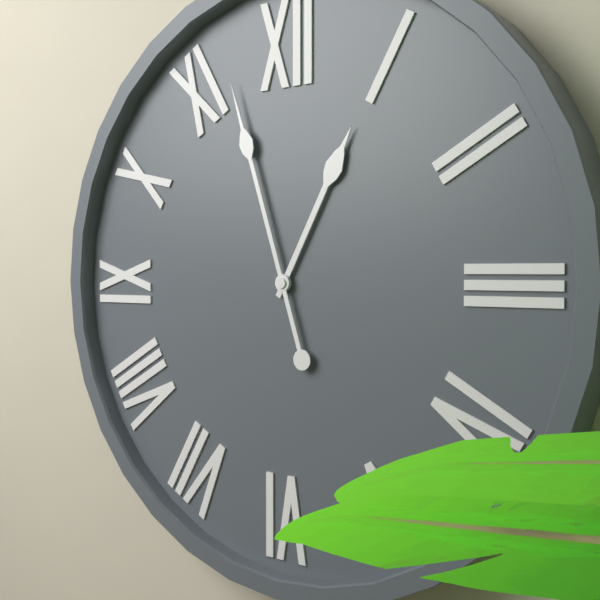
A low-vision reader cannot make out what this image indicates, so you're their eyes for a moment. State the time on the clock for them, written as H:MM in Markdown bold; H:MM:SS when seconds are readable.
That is **12:57**
